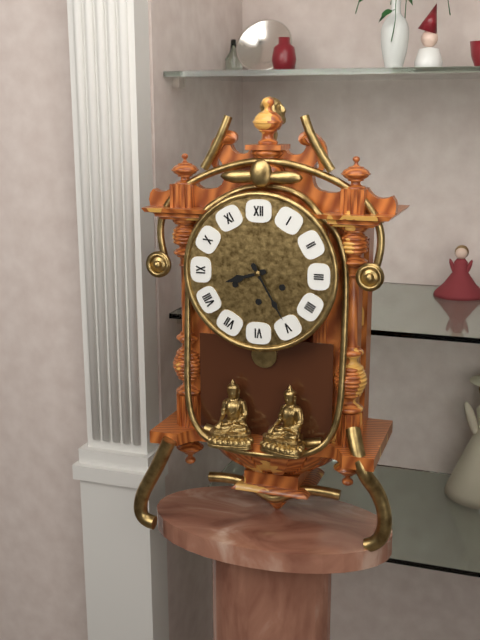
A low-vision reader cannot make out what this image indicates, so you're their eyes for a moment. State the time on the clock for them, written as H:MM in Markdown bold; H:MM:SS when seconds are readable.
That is **8:25**
